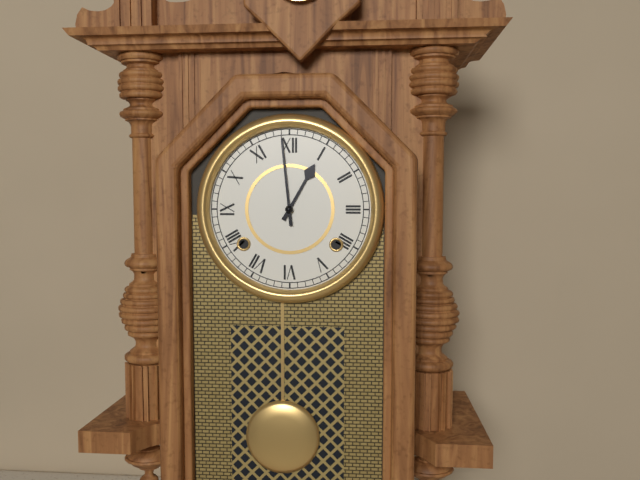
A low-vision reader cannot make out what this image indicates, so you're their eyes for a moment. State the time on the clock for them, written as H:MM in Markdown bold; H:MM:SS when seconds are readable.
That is **12:59**
